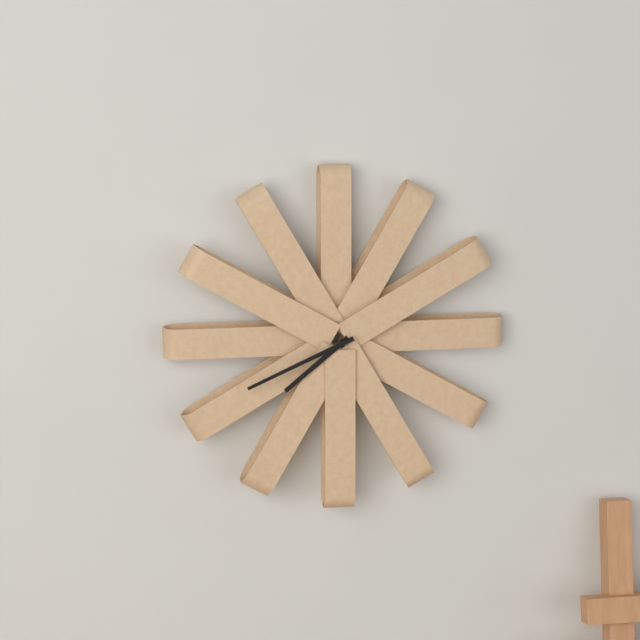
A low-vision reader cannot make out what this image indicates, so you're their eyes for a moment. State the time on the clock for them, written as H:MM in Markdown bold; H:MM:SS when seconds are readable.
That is **7:41**
